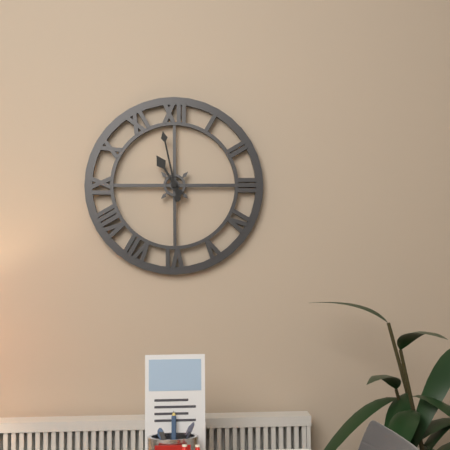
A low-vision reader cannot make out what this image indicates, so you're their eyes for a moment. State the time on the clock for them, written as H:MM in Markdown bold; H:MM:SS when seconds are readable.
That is **10:58**
